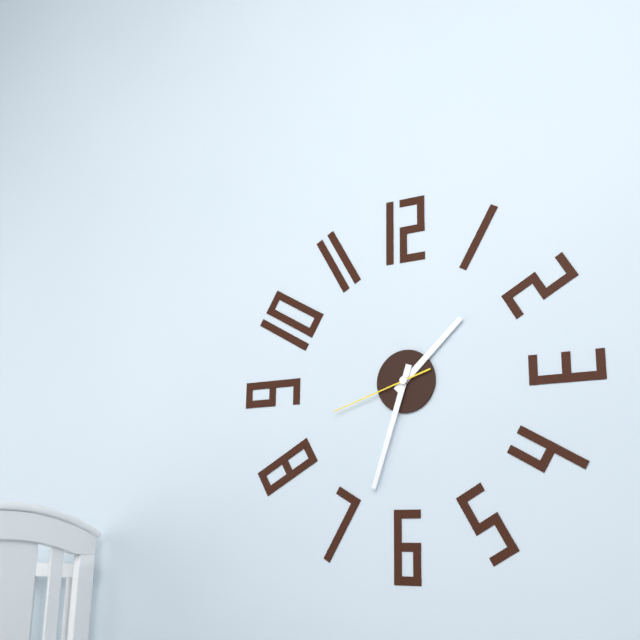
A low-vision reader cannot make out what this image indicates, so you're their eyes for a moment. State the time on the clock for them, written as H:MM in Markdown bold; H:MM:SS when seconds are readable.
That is **1:33:42**
